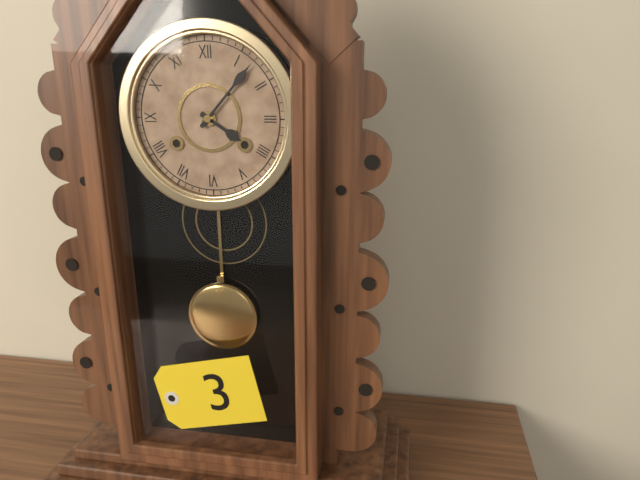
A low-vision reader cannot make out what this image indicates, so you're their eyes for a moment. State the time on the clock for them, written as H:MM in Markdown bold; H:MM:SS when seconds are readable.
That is **4:07**
